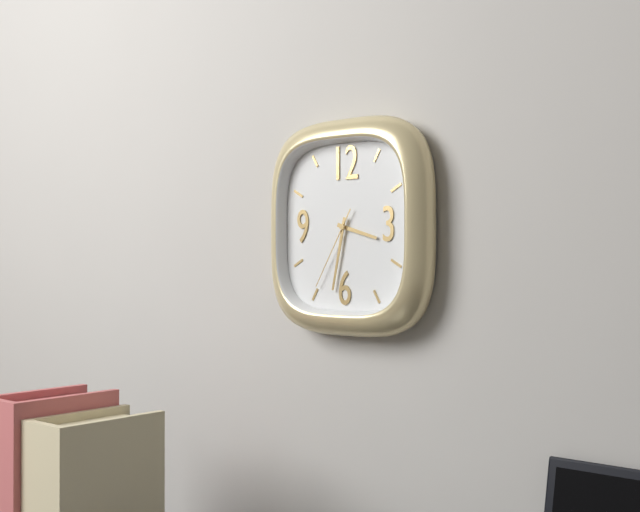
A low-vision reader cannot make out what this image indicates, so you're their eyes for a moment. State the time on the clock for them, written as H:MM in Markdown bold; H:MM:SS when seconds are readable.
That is **3:32:35**
